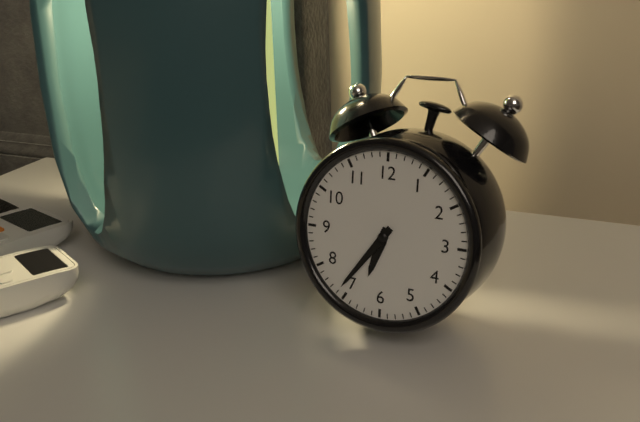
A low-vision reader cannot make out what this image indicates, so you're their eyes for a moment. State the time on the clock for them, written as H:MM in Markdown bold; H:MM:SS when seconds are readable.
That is **6:36**
